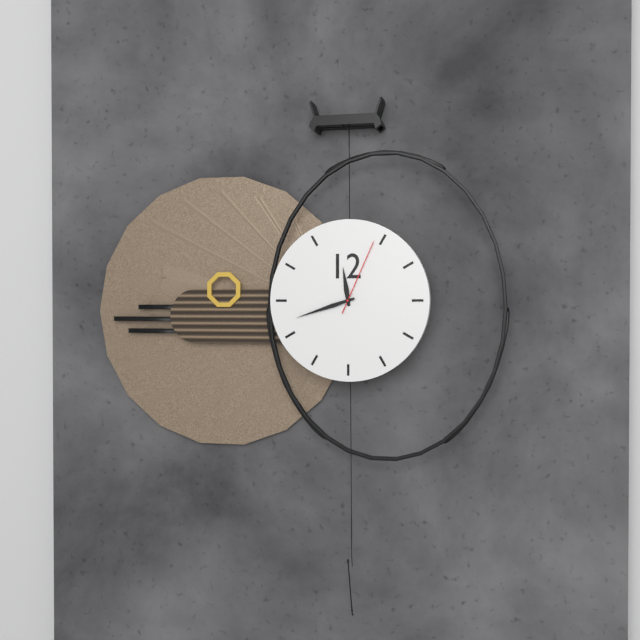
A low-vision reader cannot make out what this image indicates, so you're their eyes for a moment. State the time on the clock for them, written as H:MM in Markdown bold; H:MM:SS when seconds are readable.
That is **11:42:04**
